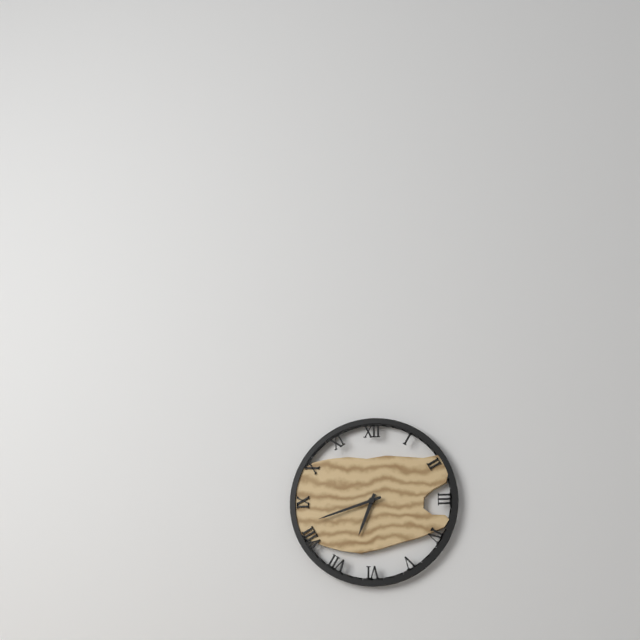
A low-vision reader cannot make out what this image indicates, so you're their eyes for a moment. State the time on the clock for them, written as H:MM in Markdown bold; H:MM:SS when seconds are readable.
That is **6:42**
